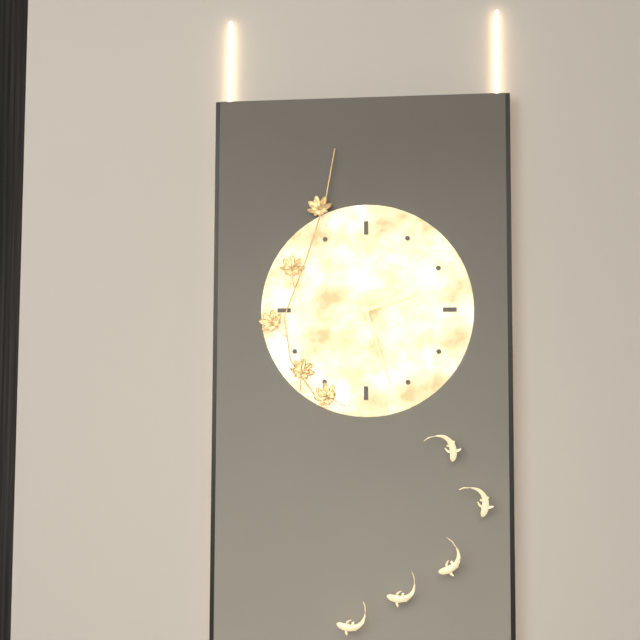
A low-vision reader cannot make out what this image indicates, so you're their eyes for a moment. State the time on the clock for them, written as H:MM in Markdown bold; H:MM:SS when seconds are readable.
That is **2:27**
